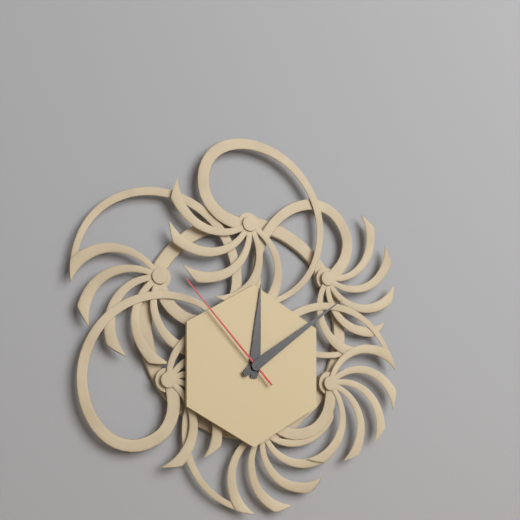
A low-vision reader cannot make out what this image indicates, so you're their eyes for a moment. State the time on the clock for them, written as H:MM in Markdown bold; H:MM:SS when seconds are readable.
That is **12:09:53**
